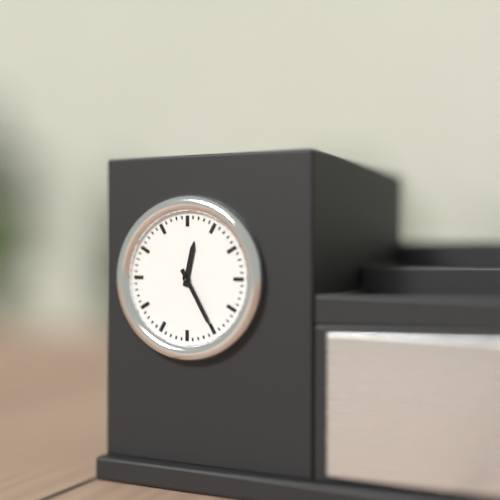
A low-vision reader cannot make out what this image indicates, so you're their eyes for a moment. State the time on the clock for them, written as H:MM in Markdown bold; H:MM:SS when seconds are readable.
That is **12:25**
